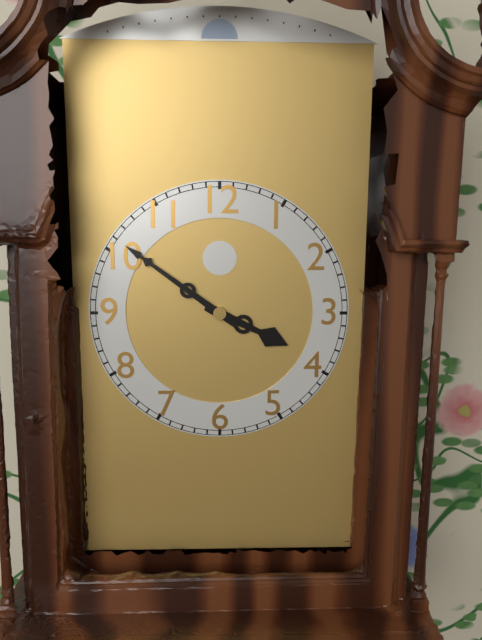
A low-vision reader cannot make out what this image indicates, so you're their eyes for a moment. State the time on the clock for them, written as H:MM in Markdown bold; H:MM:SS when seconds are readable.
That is **3:51**
